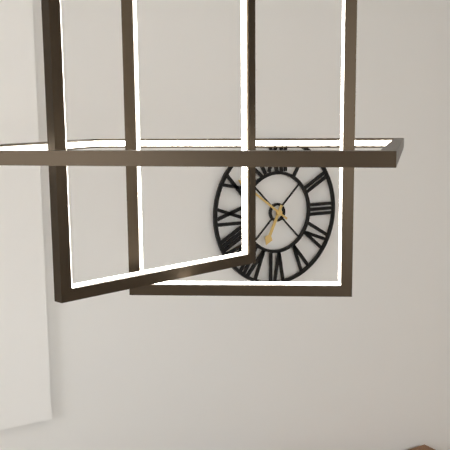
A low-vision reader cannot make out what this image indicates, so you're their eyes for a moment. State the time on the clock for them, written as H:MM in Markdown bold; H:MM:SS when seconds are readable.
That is **6:51**
